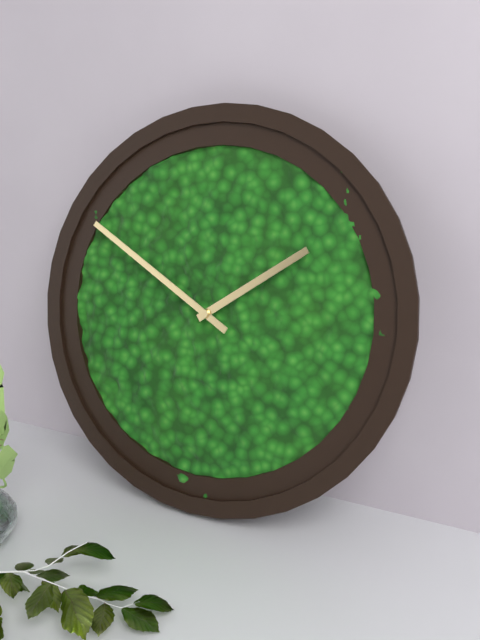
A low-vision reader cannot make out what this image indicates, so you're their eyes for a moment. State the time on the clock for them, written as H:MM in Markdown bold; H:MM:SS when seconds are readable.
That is **1:50**
